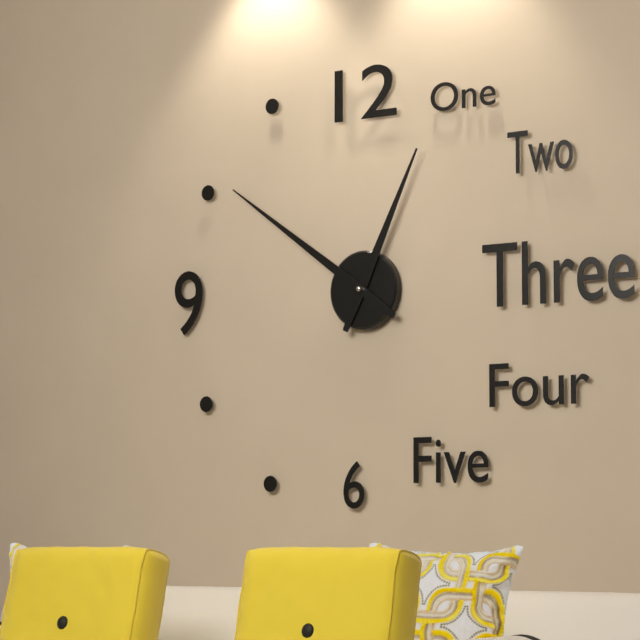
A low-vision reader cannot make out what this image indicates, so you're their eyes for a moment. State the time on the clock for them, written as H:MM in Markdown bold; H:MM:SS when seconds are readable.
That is **12:51**
